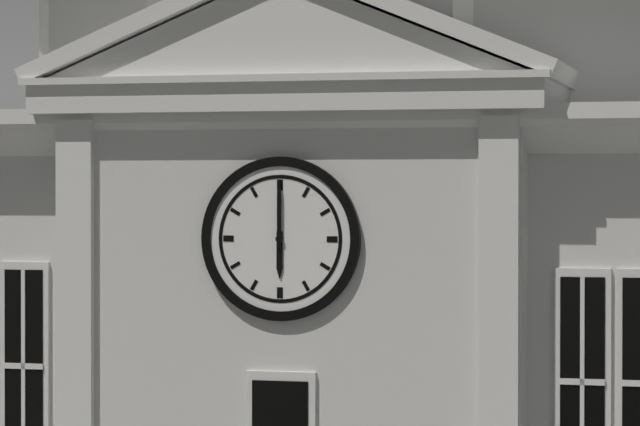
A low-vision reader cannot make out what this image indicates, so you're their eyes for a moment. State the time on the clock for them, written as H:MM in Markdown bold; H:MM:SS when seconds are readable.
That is **6:00**
